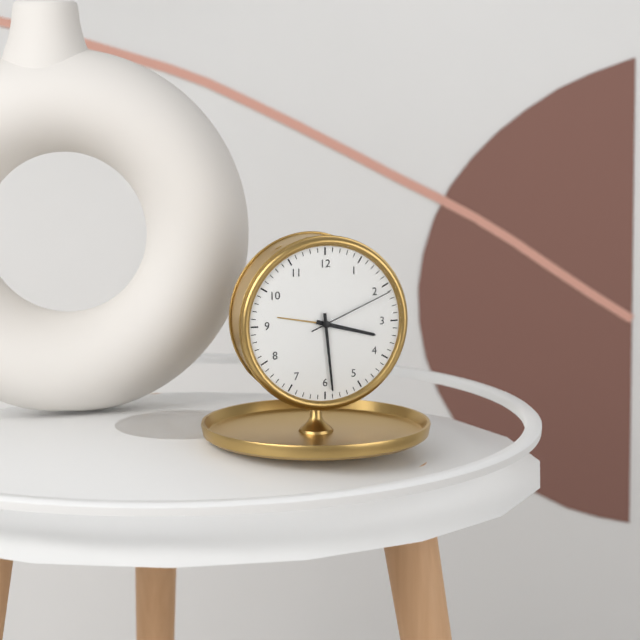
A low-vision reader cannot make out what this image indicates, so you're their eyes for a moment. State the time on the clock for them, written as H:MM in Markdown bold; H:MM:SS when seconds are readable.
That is **3:29:11**
